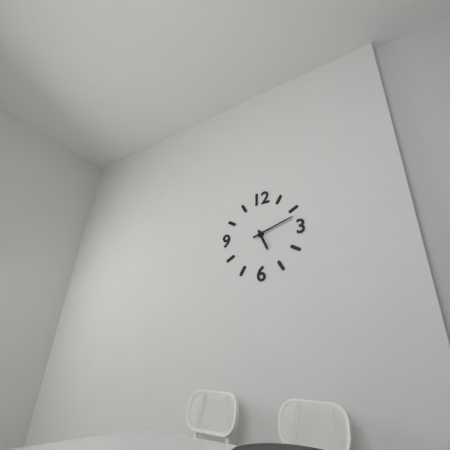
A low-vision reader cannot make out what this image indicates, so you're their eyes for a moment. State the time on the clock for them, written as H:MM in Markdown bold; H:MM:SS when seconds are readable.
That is **5:12**
